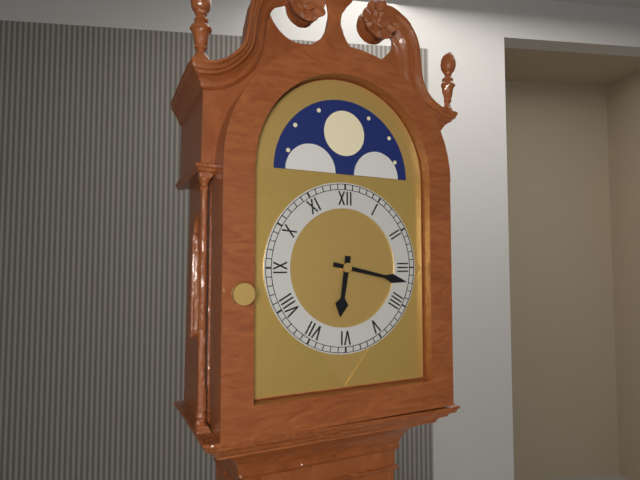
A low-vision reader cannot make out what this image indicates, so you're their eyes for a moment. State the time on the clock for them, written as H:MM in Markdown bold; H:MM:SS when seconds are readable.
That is **6:17**
